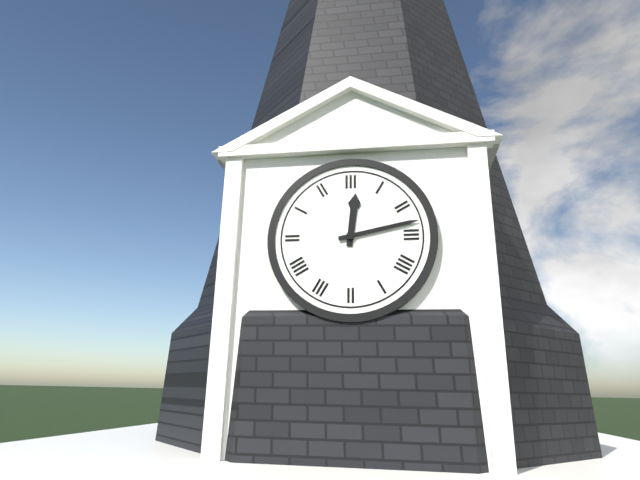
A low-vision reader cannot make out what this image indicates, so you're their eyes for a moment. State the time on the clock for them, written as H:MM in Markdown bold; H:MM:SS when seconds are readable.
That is **12:13**
